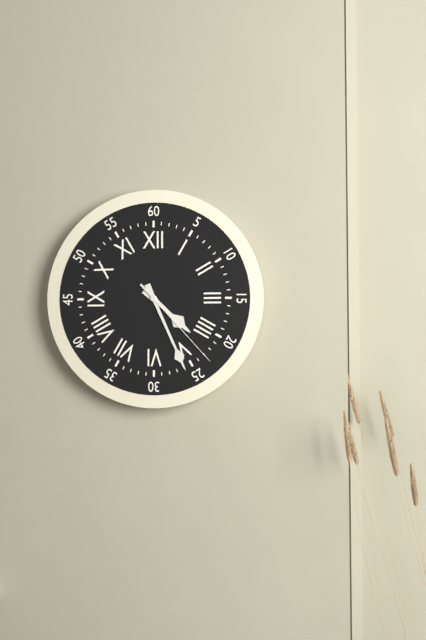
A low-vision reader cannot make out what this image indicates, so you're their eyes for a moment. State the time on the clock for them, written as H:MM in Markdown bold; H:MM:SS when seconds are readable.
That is **4:26:23**
